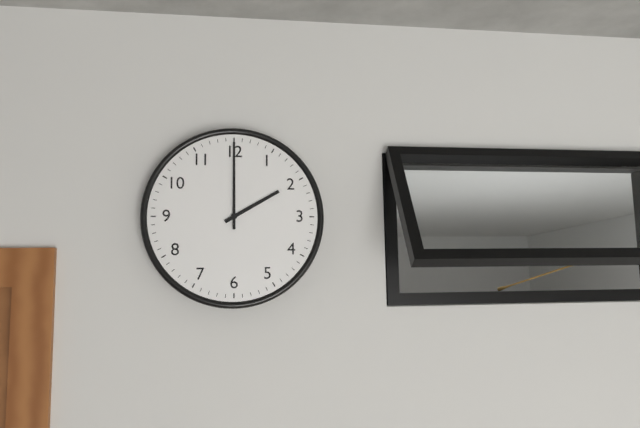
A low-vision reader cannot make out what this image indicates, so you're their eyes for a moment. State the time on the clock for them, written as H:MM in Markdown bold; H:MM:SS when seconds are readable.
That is **2:00**
